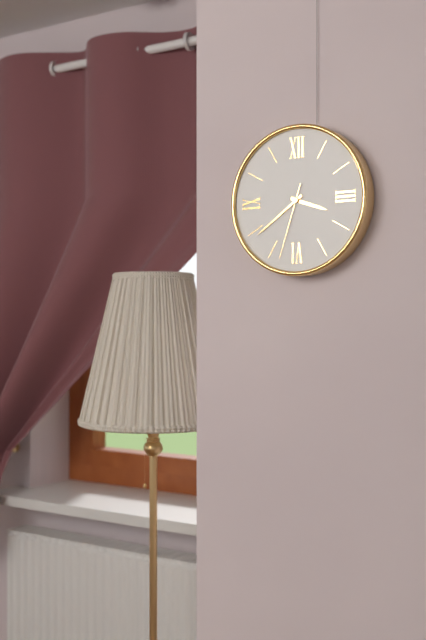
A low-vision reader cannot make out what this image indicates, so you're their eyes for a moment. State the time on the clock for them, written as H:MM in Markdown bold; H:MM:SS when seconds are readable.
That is **3:39:33**
